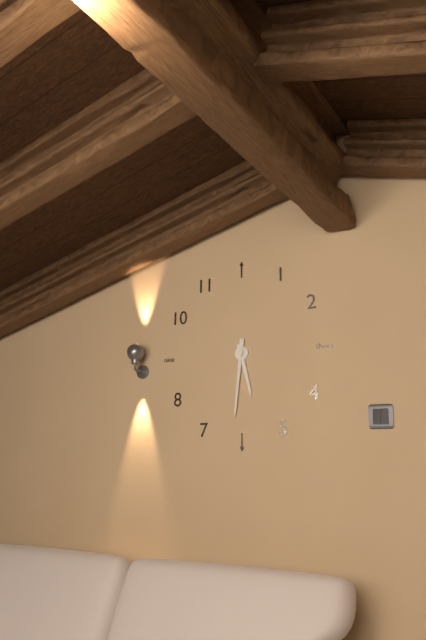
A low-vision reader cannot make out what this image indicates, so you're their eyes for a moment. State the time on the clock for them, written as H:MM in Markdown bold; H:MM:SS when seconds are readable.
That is **5:31**
